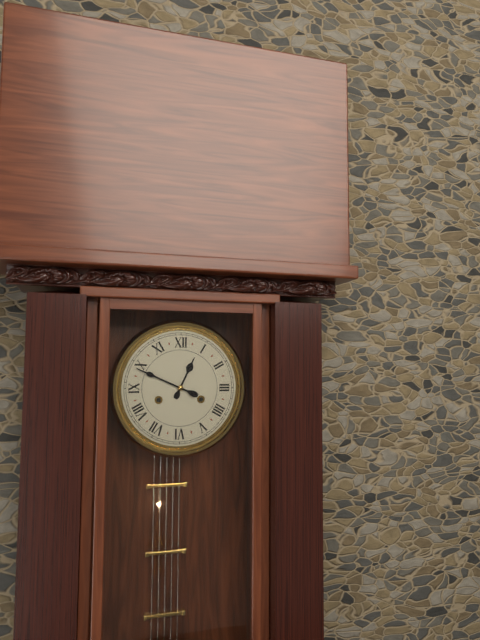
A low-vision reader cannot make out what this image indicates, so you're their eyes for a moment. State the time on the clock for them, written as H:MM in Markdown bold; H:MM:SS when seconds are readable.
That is **12:49**
